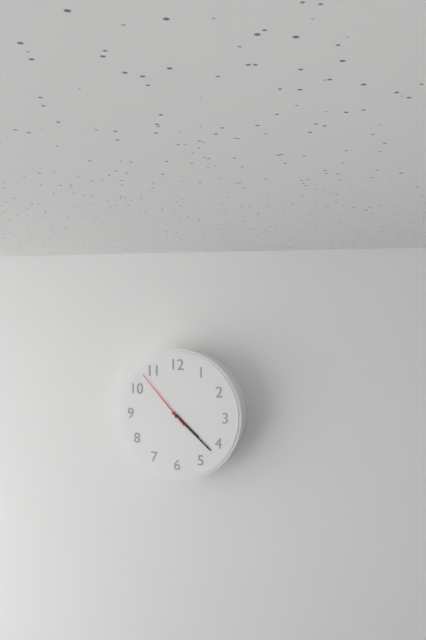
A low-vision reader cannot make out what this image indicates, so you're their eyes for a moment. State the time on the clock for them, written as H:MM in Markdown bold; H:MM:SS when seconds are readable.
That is **4:22:53**
